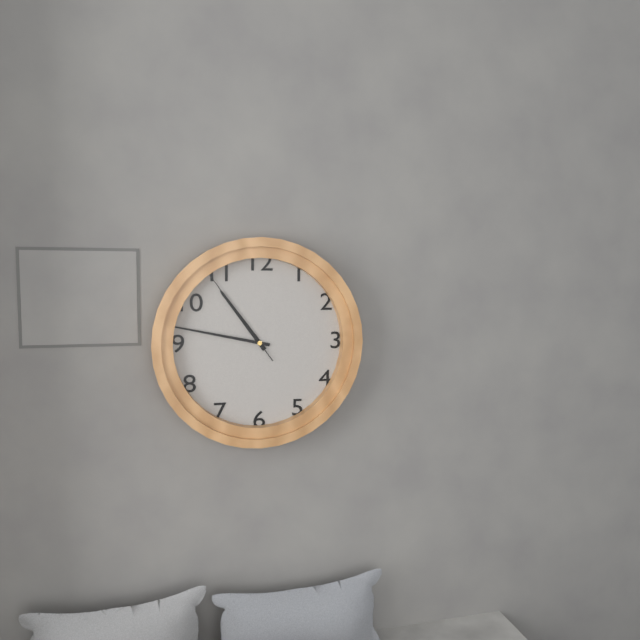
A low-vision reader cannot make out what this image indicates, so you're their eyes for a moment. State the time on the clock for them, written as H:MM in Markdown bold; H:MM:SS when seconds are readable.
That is **10:47:54**
